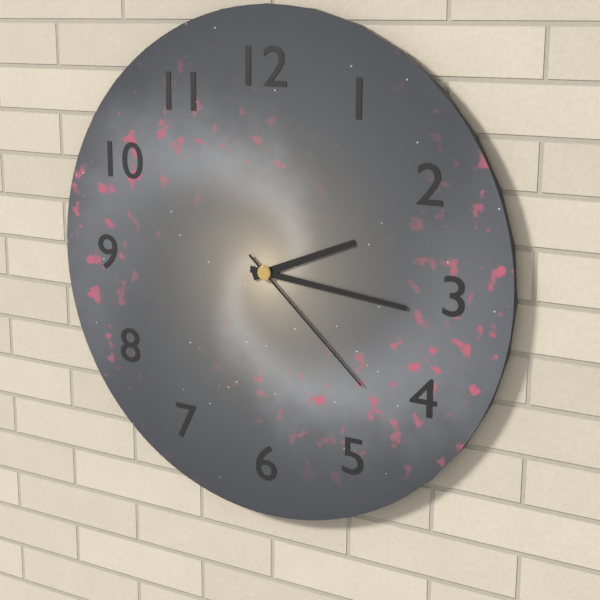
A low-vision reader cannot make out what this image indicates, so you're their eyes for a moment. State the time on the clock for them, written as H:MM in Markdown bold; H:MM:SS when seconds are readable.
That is **2:16:22**
